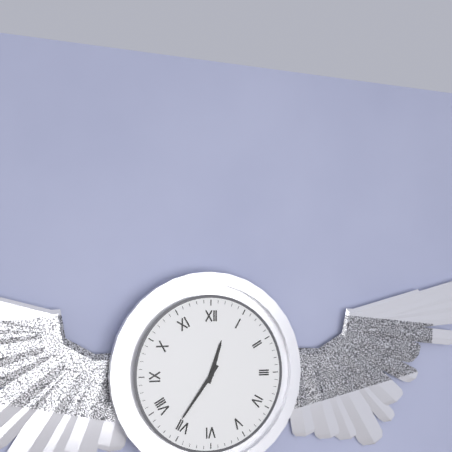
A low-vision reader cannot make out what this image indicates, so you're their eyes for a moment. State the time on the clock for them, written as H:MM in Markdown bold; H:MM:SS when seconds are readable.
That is **12:36**
